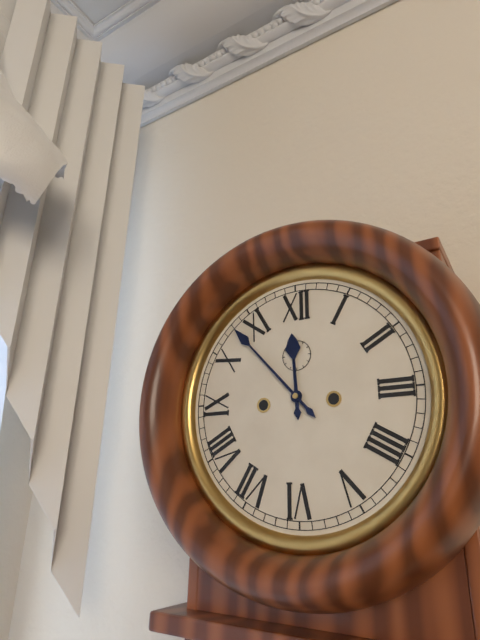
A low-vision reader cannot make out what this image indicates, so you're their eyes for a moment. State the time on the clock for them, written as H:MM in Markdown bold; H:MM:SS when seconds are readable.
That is **11:53**
